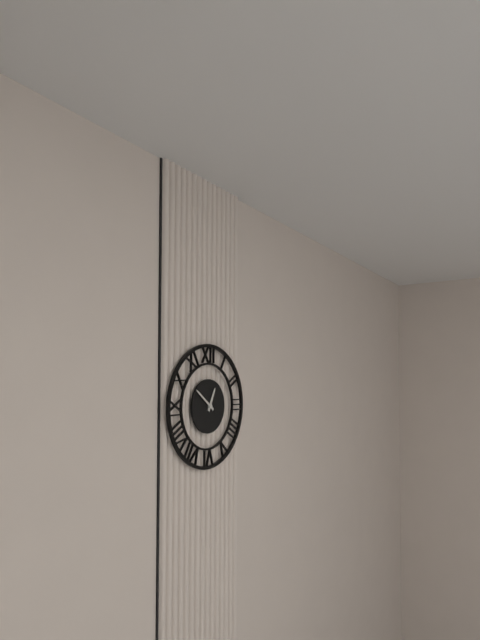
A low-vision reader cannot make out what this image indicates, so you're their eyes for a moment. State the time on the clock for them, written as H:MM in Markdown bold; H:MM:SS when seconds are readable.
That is **12:51**
